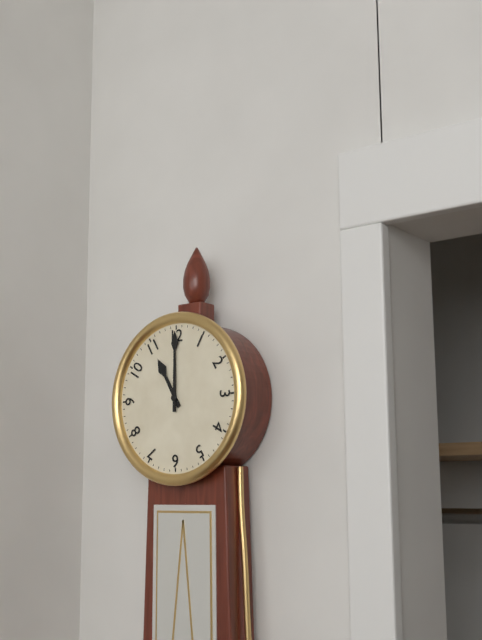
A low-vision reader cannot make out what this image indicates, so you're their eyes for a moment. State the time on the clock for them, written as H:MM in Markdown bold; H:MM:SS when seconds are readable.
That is **11:00**
